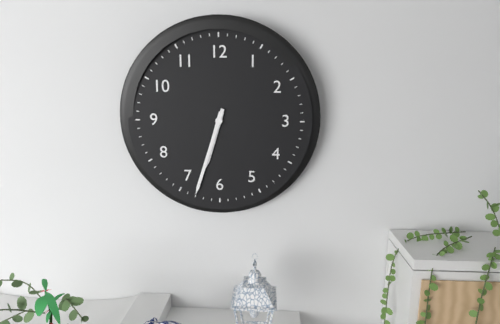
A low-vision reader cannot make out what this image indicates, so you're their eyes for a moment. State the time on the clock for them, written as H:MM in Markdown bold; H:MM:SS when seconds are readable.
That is **6:33**
